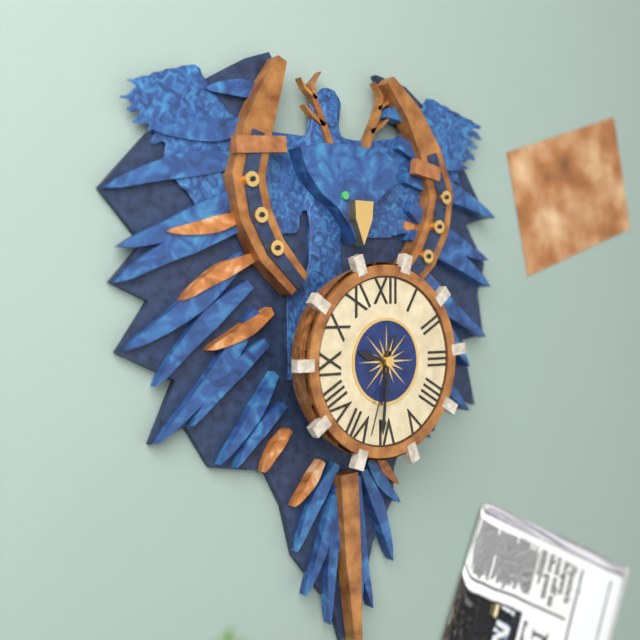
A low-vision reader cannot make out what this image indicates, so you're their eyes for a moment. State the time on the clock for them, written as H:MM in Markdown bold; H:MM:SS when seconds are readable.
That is **9:31:33**
